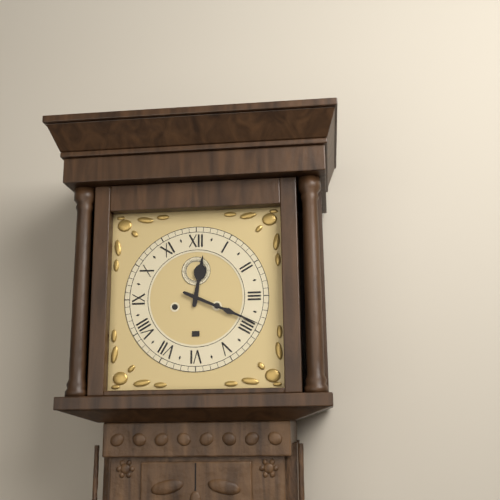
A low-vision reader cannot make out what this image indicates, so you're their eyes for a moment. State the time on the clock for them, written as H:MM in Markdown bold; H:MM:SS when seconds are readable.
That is **12:19**
